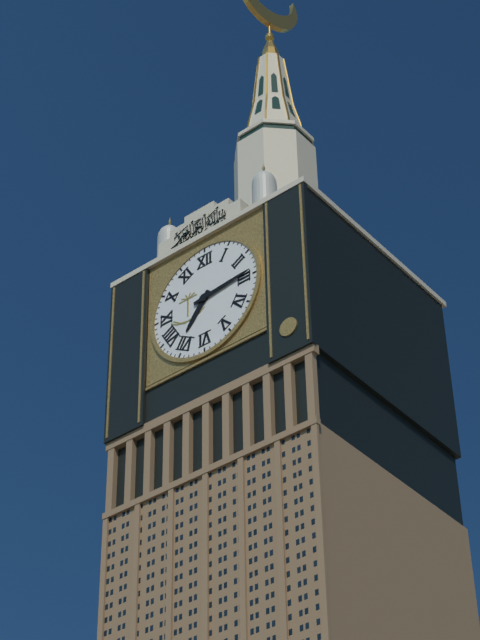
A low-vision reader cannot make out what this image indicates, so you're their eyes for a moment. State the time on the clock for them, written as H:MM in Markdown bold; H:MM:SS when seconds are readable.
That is **7:14**
